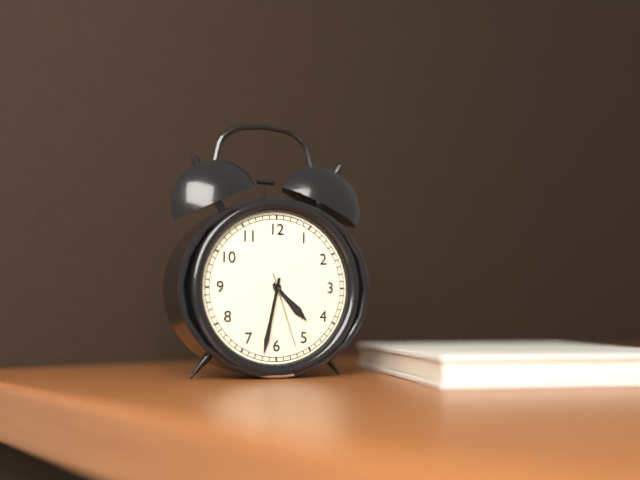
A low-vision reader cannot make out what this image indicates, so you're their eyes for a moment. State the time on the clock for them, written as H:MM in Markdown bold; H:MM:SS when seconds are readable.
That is **4:32:27**
